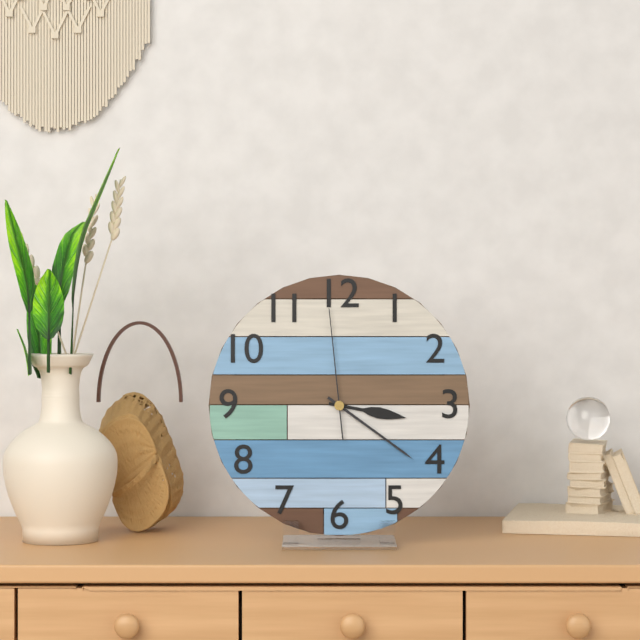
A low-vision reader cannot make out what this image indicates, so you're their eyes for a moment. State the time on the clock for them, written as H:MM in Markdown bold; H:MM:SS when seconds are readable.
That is **3:21:59**
